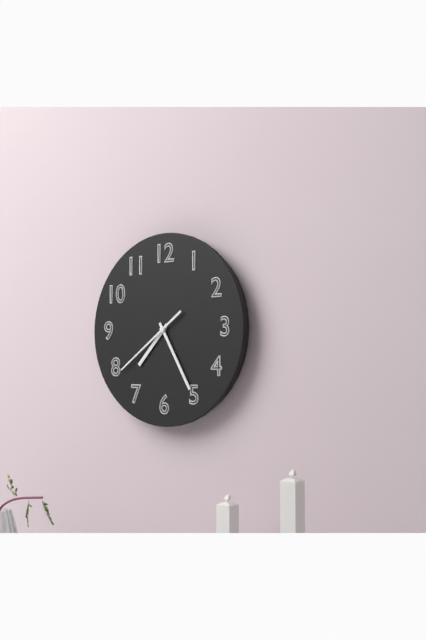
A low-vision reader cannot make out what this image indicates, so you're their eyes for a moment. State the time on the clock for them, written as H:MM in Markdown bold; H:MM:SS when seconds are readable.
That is **7:25:39**
